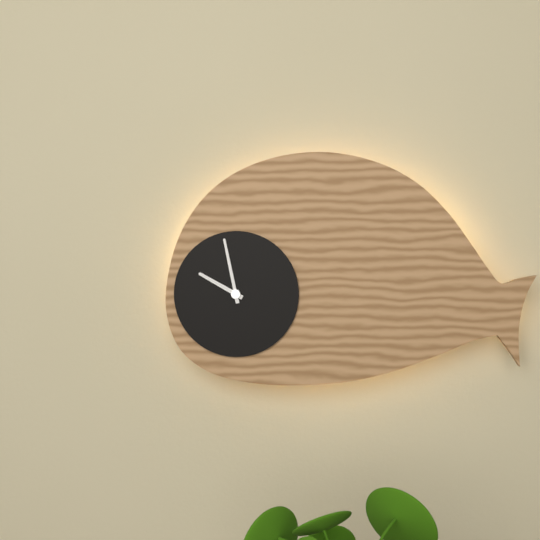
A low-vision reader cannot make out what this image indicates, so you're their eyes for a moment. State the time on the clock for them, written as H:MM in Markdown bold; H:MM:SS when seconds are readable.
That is **9:58**
